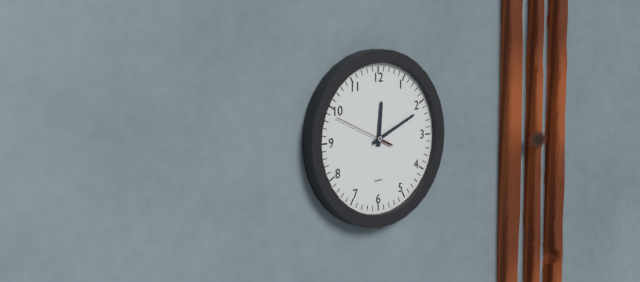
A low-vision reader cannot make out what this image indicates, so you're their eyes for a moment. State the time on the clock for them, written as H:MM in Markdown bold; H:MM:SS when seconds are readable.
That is **12:11:49**
